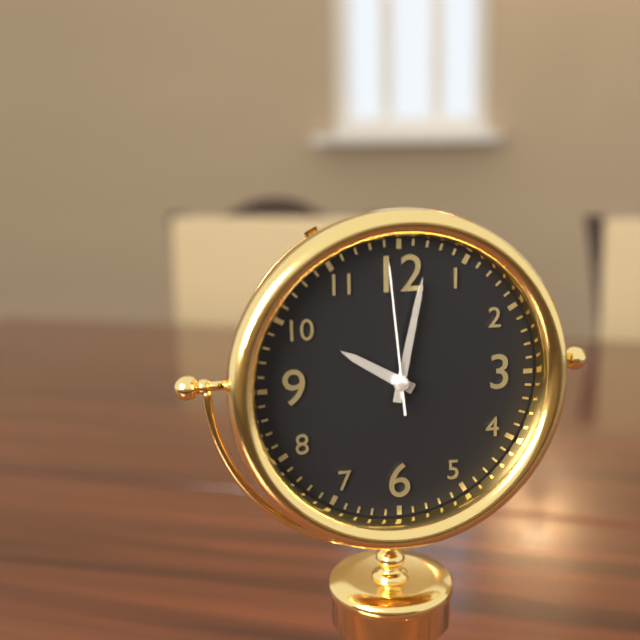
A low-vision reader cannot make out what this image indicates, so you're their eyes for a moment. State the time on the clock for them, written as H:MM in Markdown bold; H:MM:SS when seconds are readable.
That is **10:02:59**
